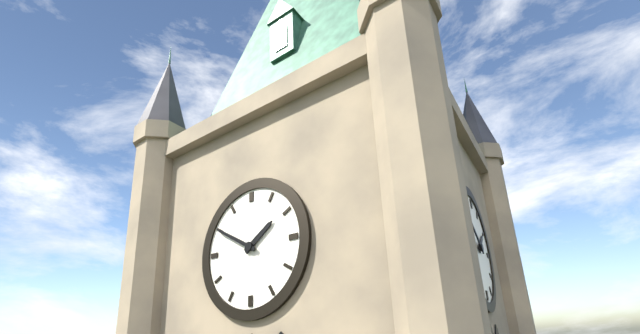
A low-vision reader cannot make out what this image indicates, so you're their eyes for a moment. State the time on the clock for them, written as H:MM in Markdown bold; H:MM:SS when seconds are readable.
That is **1:50**
